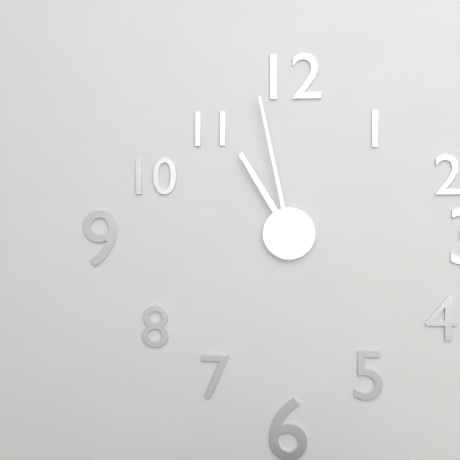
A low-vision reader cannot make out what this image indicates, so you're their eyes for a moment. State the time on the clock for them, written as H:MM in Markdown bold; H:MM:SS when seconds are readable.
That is **10:58**
